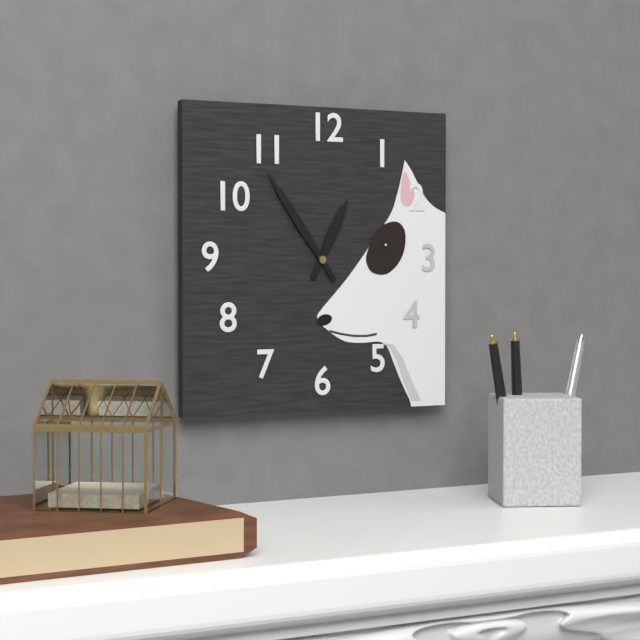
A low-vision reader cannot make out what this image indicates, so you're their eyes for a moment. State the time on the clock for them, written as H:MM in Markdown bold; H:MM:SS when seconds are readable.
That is **12:54**
